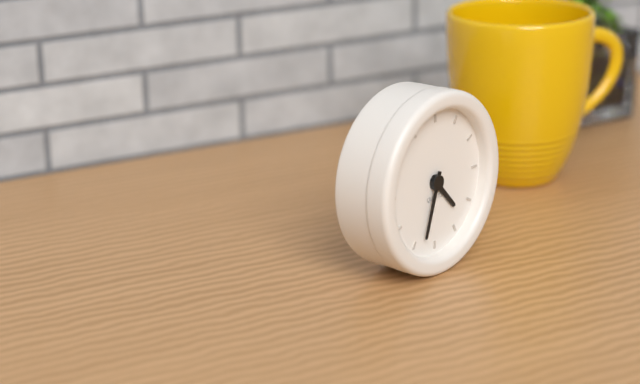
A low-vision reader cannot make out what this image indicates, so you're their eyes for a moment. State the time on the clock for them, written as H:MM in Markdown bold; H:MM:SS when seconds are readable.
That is **4:33**
